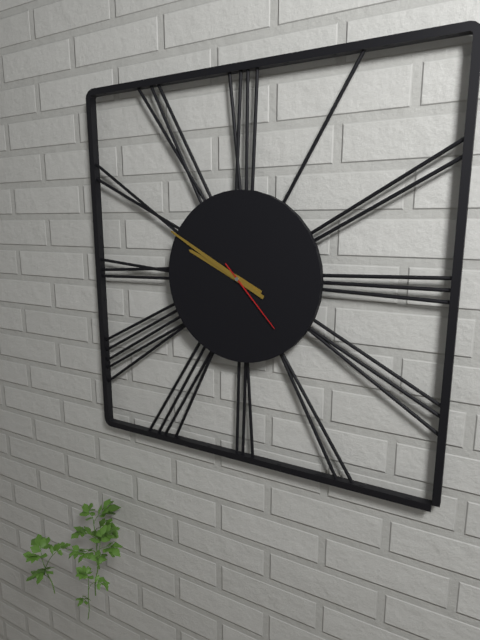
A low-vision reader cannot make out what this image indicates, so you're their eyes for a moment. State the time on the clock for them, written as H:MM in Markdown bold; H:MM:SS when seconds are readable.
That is **9:50:23**
